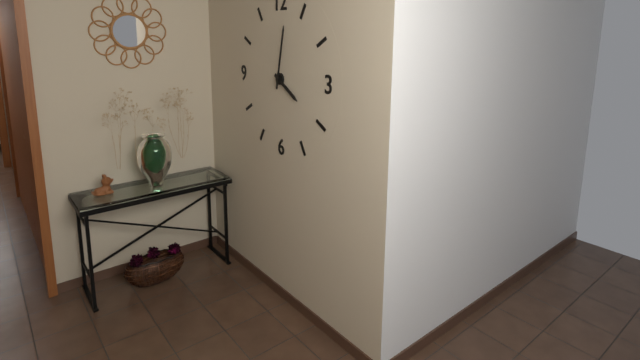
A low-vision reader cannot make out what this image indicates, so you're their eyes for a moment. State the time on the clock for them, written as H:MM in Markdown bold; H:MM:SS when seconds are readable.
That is **4:02**
